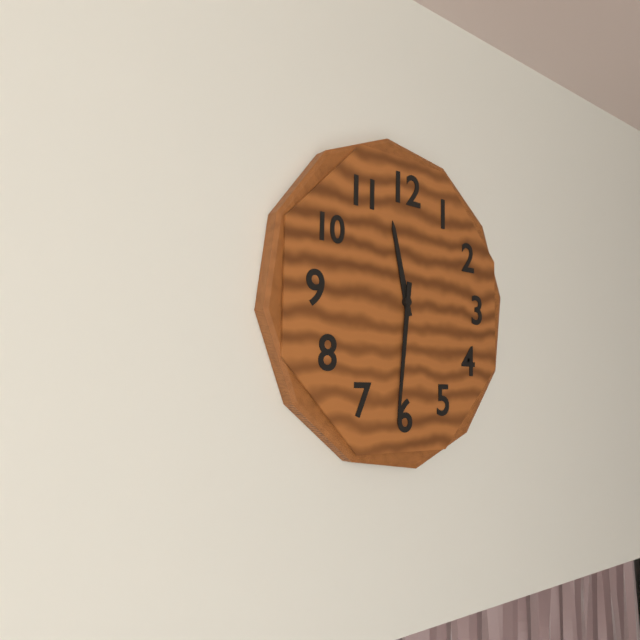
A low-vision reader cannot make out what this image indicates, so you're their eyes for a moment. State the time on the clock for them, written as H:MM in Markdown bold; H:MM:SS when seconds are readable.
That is **11:31**
